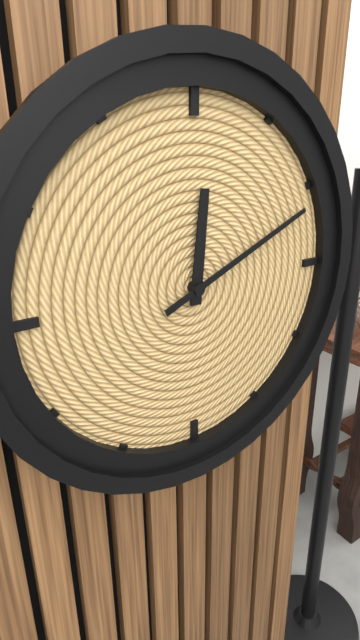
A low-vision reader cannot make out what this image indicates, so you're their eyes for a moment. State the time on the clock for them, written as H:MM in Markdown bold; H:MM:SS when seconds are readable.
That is **12:11**
